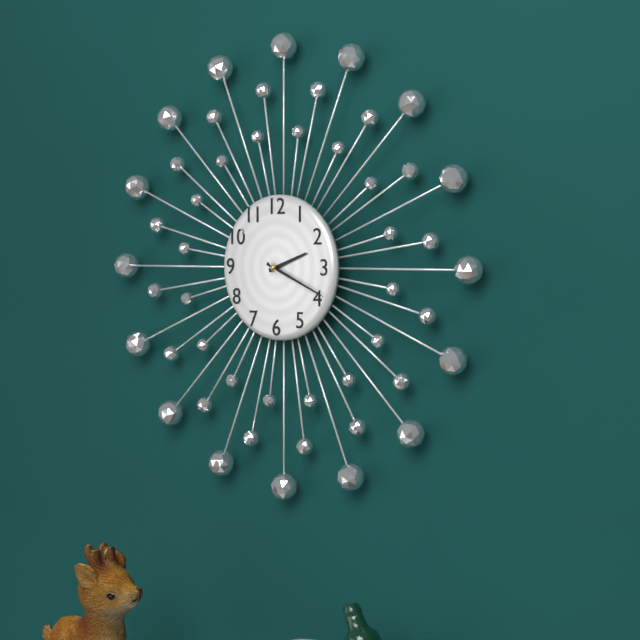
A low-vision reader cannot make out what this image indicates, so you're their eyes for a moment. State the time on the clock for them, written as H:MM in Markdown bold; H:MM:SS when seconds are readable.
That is **2:19:52**
